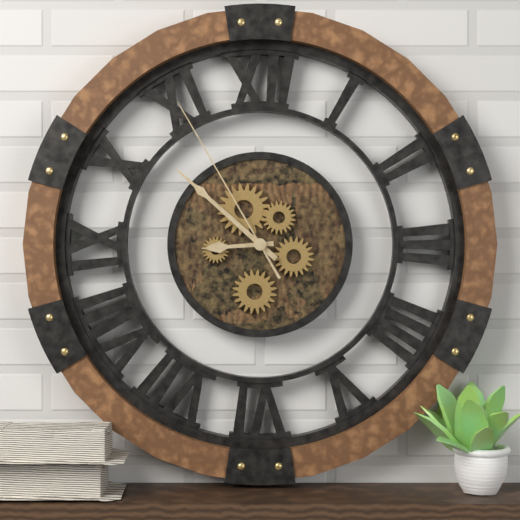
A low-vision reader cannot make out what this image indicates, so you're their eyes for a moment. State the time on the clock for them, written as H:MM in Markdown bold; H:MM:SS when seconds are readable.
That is **8:52:55**
